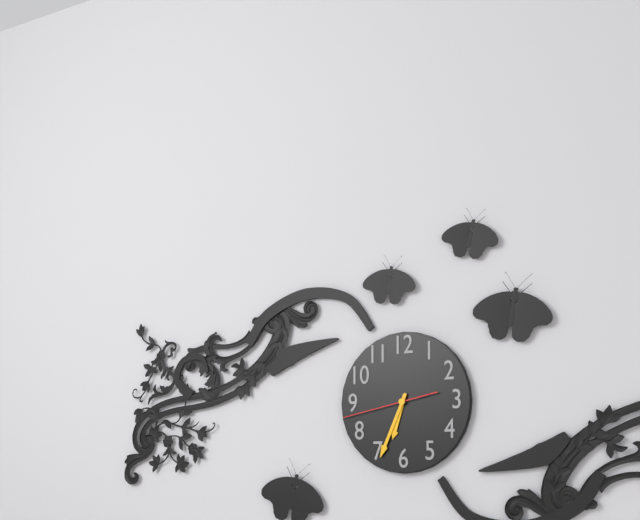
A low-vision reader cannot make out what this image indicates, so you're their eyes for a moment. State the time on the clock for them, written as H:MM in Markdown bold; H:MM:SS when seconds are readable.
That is **6:34:43**
